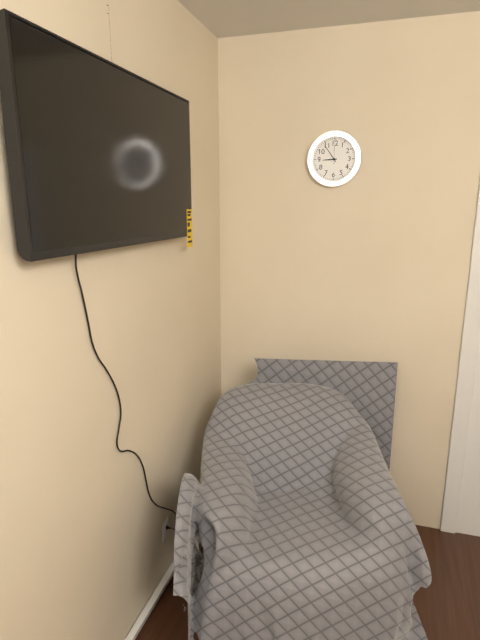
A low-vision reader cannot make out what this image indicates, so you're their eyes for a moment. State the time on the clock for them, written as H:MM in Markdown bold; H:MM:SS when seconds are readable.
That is **8:54**
